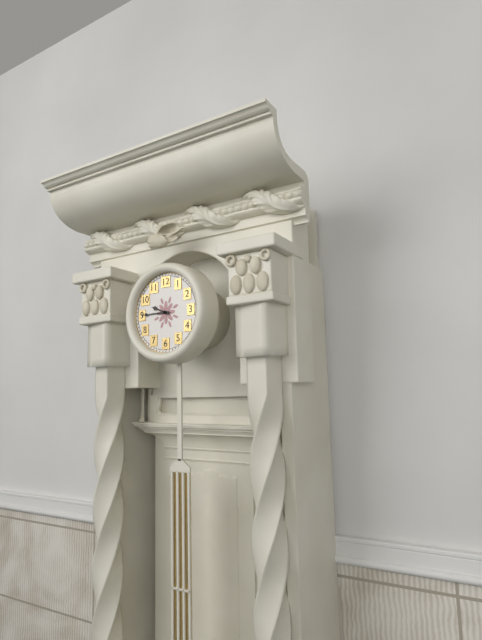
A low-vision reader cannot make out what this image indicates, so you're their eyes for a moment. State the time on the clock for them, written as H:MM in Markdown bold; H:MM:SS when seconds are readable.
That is **9:45**
